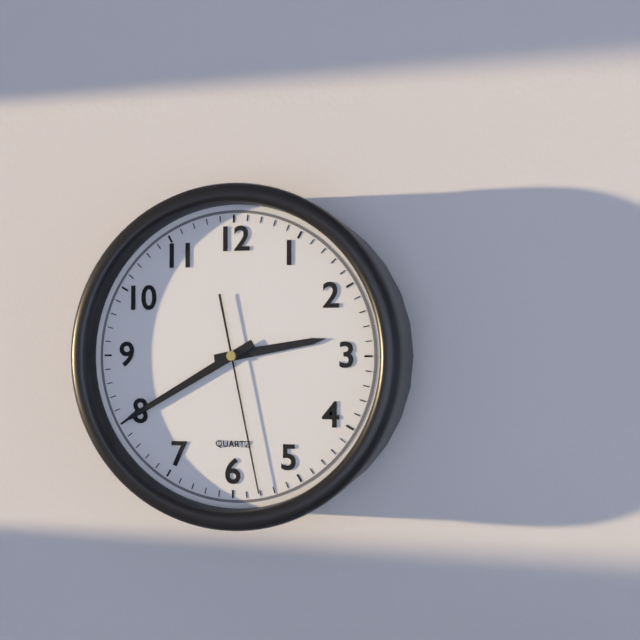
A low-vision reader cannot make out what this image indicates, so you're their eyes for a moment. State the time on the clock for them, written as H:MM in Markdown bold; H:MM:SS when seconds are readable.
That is **2:40:28**
